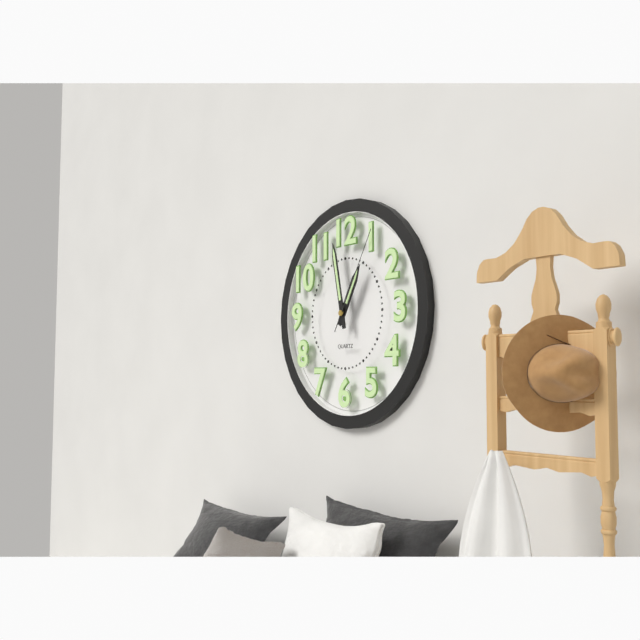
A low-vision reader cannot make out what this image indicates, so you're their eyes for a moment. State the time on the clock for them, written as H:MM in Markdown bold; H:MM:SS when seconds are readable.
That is **12:58:05**
